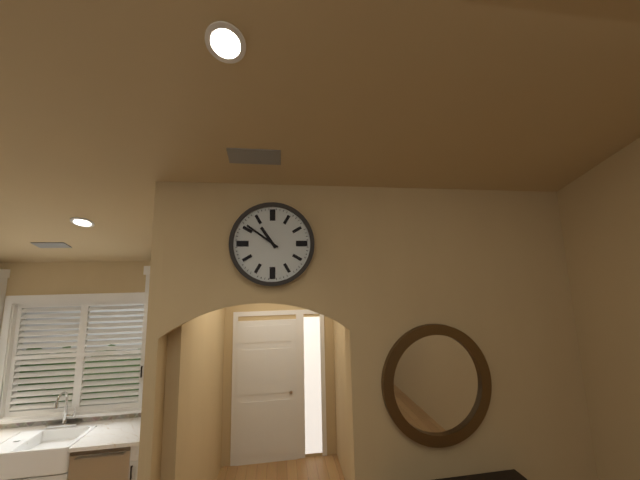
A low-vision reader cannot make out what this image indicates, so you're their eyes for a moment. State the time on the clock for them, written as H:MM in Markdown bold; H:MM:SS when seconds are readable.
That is **10:51**
